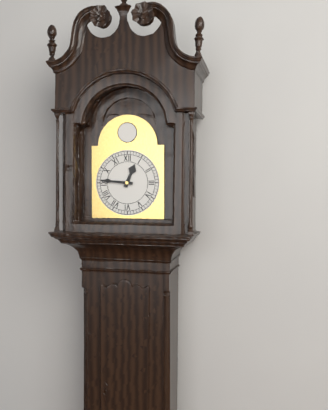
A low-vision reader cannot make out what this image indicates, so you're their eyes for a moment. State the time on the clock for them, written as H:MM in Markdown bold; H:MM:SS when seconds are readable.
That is **12:46**
